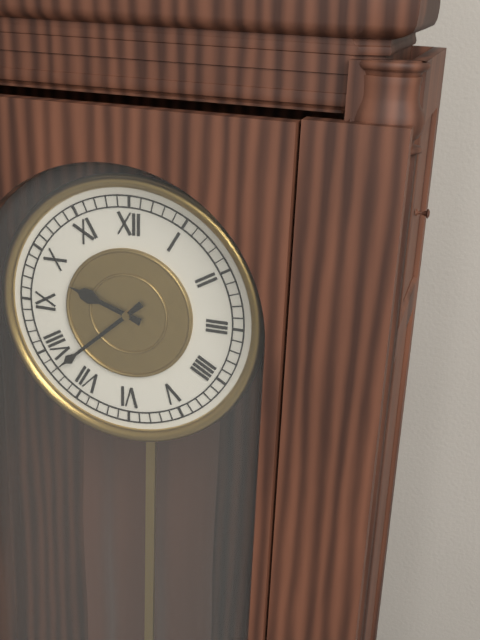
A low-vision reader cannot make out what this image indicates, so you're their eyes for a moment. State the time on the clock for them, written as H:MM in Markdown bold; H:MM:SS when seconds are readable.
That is **9:38**
